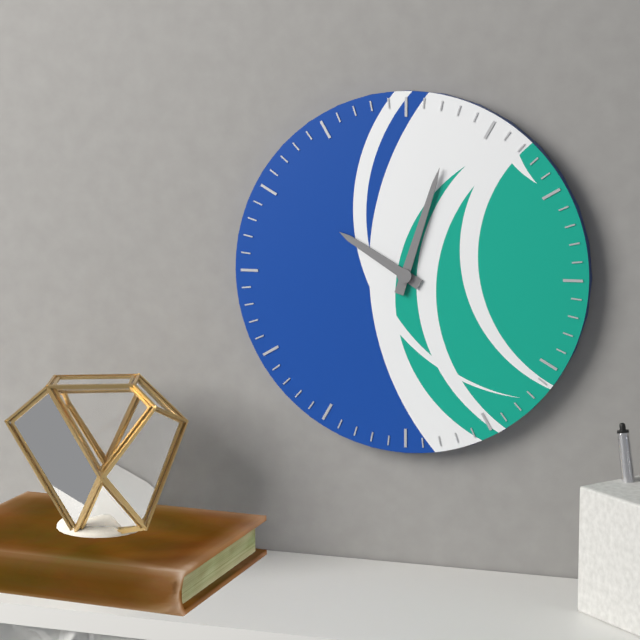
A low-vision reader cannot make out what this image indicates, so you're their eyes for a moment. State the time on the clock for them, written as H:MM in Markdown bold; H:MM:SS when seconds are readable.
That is **10:03**
